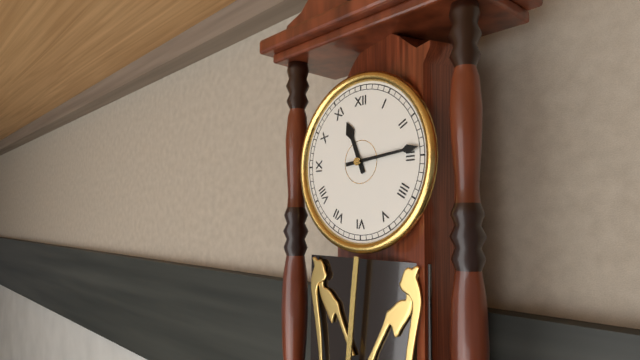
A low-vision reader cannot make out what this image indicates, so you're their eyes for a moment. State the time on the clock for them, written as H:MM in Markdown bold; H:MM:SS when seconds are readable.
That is **11:14**
